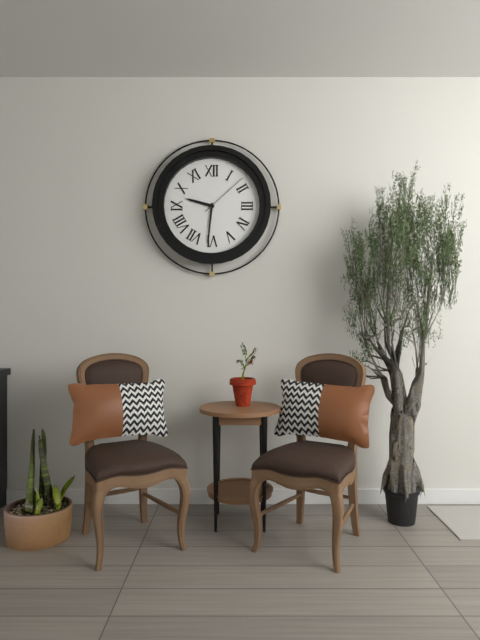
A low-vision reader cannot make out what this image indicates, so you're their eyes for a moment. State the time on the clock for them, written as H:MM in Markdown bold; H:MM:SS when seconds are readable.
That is **9:31:08**
